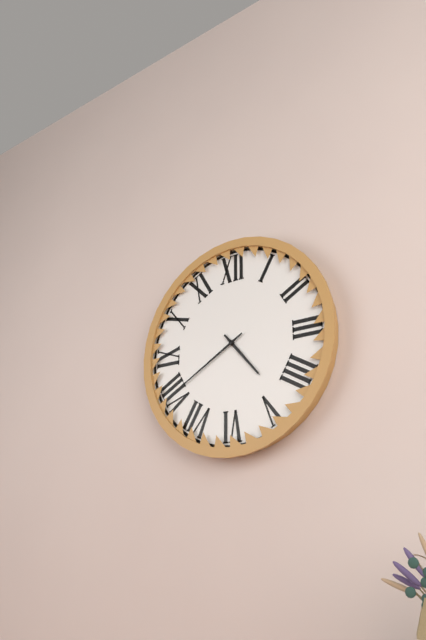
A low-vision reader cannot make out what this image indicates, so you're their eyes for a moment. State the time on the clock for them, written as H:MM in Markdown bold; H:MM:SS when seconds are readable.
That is **4:40**
